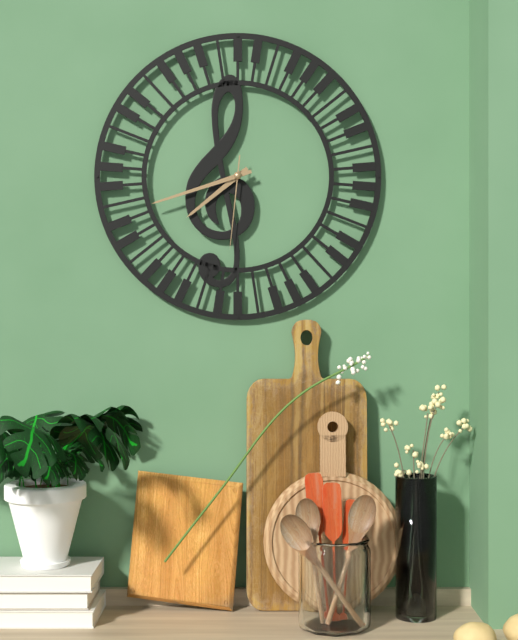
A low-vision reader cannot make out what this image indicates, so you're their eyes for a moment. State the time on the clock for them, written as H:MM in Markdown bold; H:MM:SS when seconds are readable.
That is **7:42:31**
